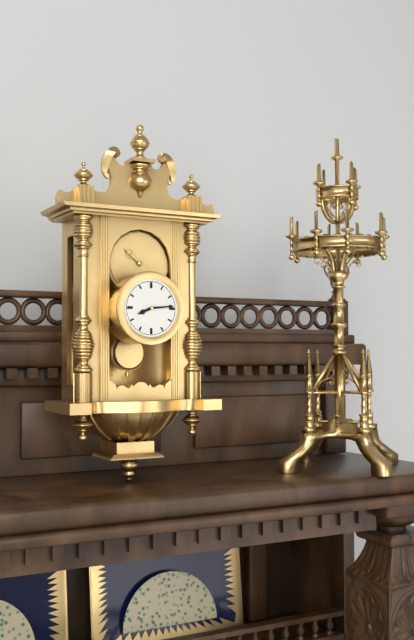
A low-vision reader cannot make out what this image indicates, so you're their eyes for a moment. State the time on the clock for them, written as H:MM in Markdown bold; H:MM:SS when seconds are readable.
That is **8:14**
